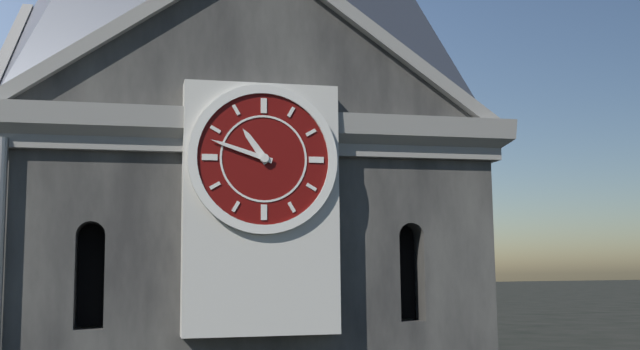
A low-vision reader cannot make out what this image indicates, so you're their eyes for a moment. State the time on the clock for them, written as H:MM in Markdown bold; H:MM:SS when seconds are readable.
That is **10:48**
